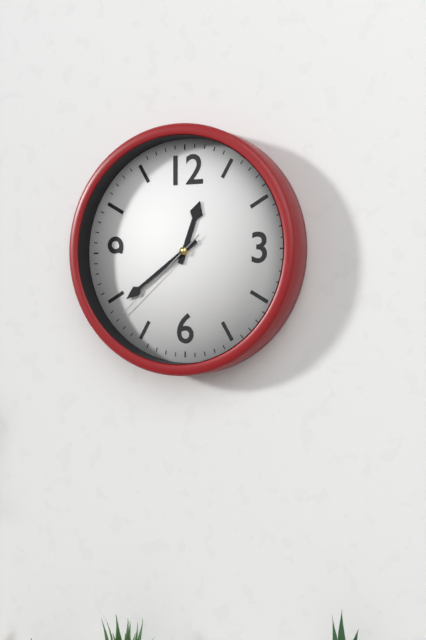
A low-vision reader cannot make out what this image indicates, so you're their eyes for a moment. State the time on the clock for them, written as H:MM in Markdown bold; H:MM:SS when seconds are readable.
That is **12:39:38**
